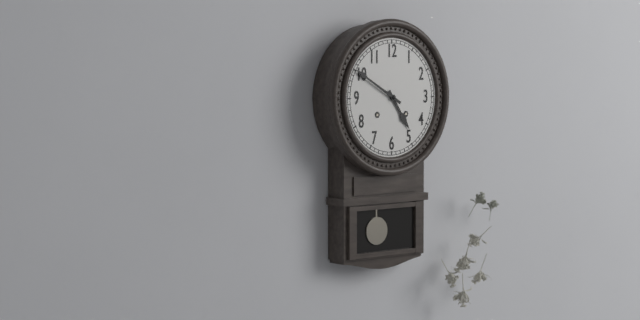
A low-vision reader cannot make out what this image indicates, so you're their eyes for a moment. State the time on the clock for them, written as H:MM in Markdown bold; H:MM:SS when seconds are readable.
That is **4:50**
